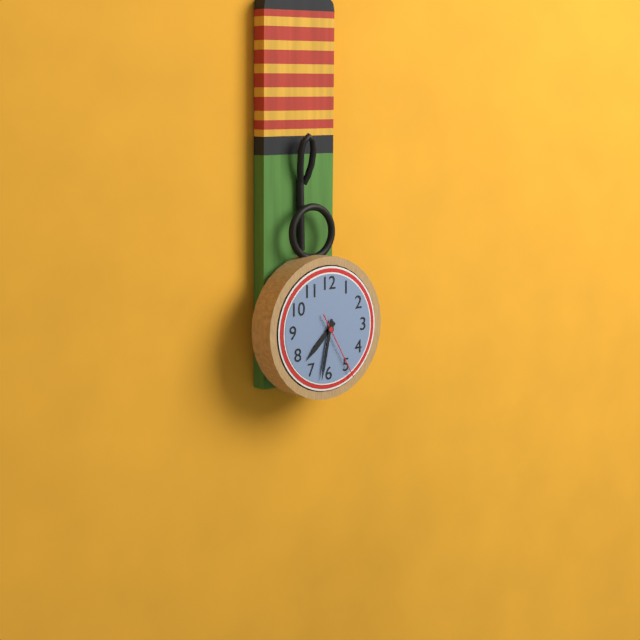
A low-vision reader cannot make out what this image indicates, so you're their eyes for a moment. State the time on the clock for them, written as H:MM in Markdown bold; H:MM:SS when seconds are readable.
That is **7:32:25**
